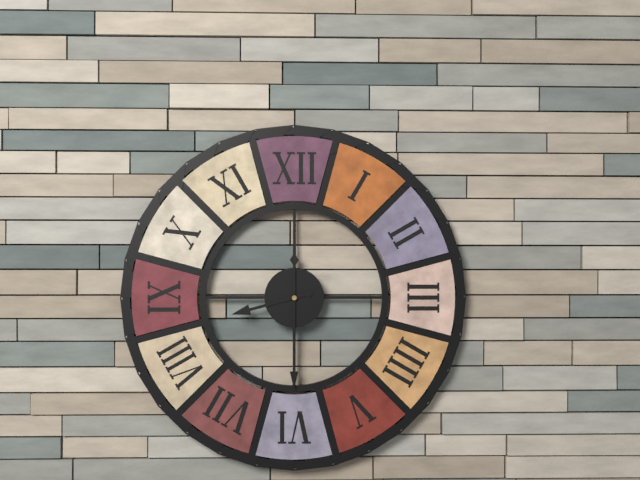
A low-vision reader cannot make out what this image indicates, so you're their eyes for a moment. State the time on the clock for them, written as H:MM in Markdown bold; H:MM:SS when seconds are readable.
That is **8:30**
